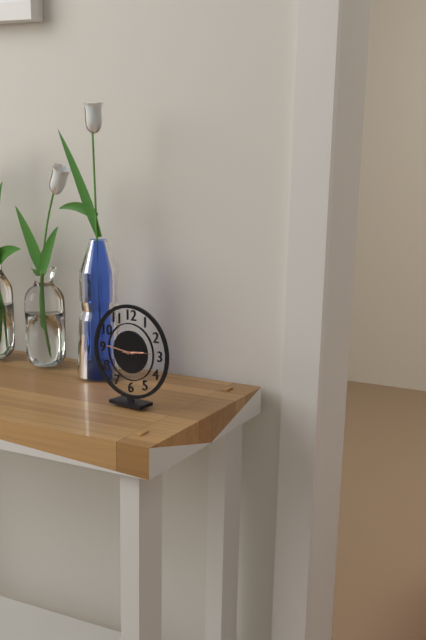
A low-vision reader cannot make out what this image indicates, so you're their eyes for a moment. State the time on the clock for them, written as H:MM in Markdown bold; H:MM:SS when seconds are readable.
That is **2:46**
